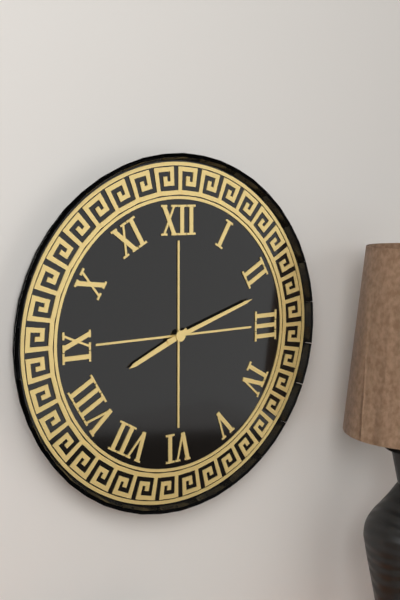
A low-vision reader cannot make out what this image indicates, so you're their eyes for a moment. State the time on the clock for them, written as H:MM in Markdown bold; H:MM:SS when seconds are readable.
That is **8:12**
